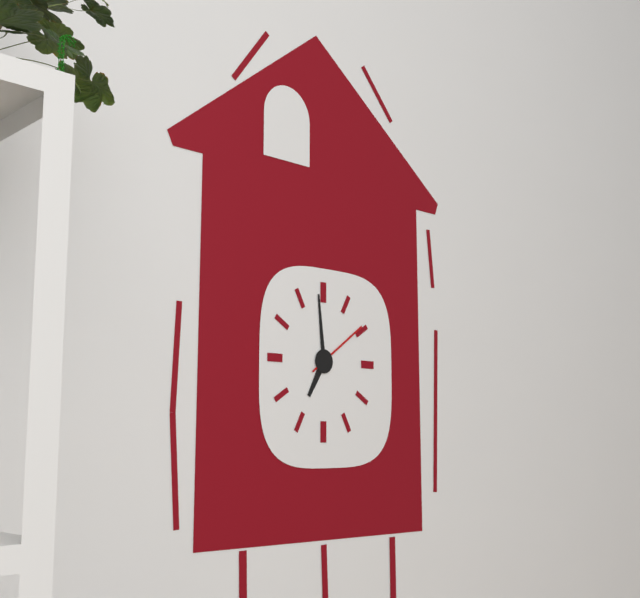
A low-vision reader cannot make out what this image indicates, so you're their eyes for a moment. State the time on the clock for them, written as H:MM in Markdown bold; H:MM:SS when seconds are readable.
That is **6:59:09**
